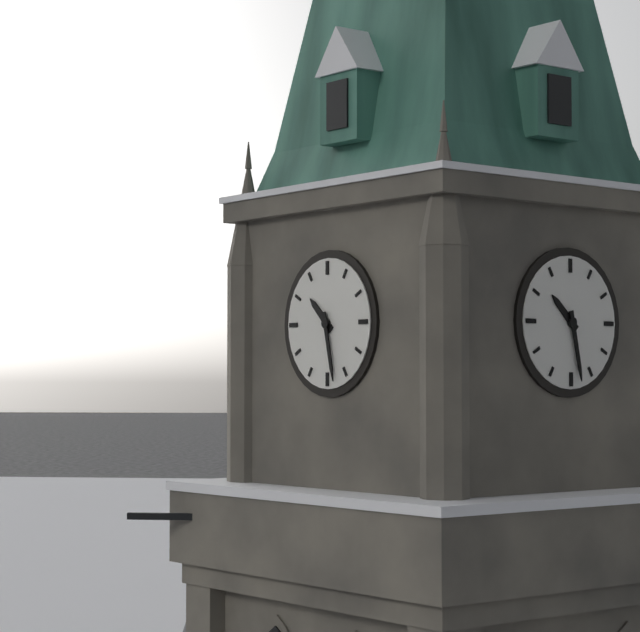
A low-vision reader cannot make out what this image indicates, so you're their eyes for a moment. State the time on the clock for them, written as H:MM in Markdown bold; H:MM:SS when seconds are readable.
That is **10:28**
